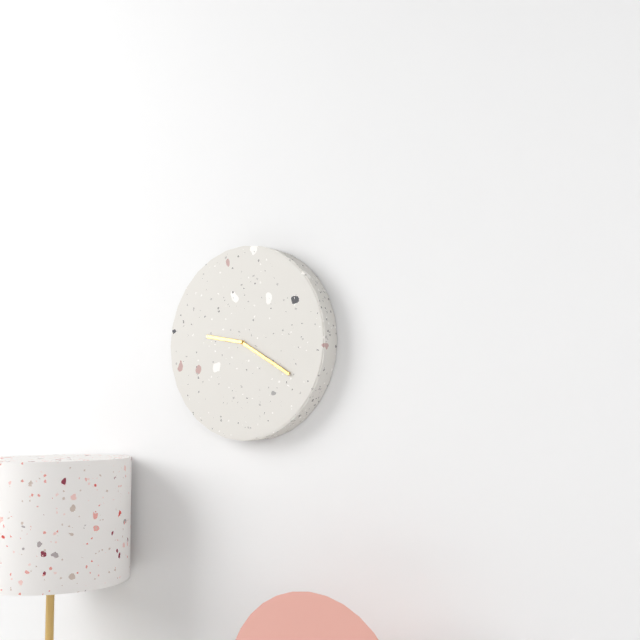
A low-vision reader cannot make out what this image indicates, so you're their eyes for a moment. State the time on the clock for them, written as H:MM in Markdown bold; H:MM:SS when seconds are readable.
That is **9:20**
